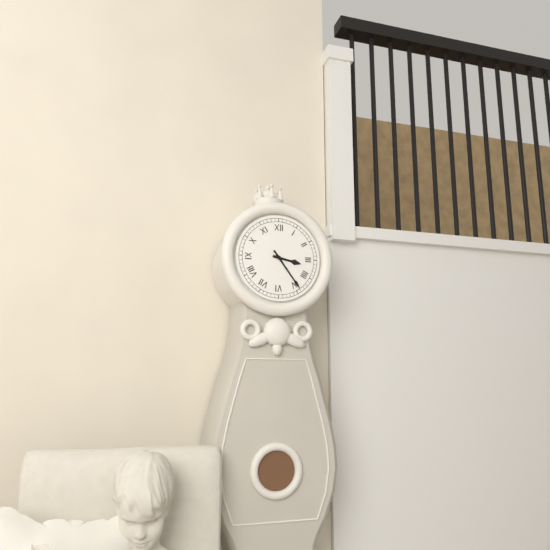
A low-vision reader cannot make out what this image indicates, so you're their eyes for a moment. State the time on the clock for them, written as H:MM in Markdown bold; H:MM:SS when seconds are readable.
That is **3:24**
